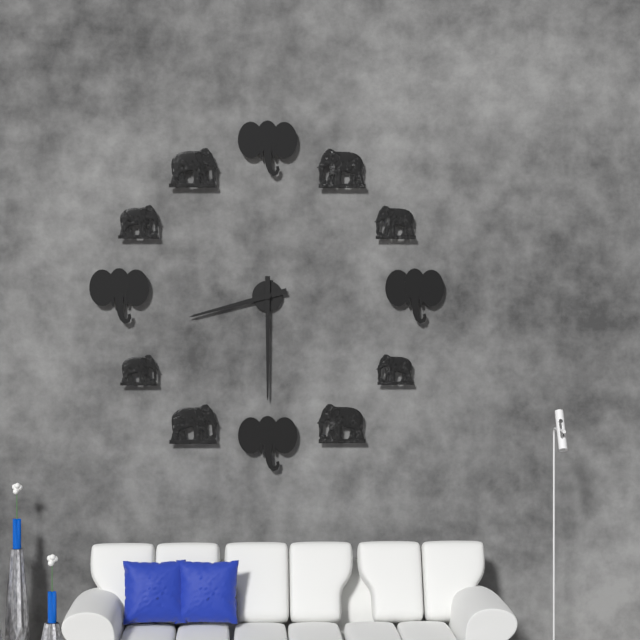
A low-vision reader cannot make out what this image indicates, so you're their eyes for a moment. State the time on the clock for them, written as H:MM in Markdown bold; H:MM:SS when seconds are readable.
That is **8:30**
